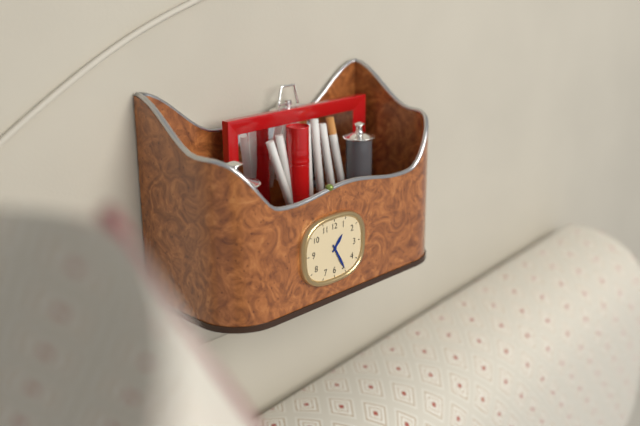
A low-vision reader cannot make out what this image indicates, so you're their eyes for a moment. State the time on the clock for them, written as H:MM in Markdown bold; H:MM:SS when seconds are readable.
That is **1:25**
